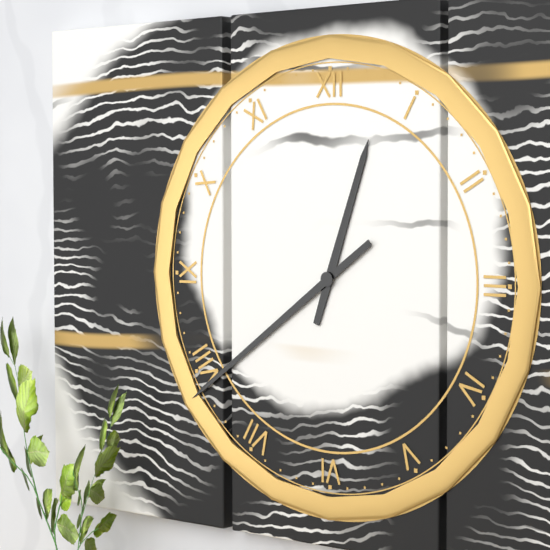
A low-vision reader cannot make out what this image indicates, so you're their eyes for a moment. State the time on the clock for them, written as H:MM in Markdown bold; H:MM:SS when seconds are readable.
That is **12:39**
